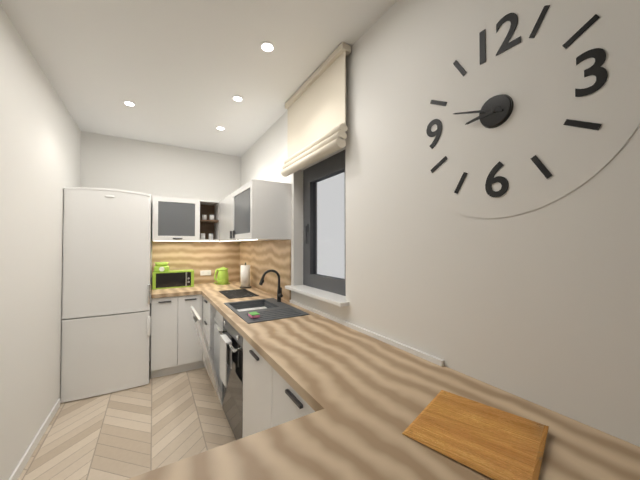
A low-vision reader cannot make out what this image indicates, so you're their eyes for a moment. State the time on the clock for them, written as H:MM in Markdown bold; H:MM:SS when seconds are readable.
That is **8:48**
